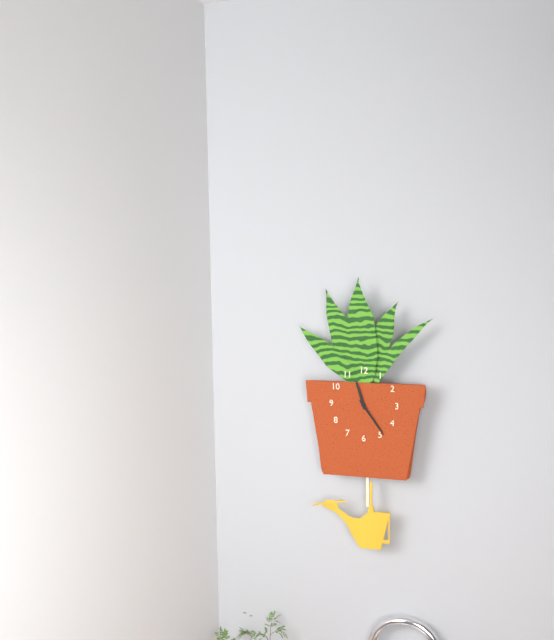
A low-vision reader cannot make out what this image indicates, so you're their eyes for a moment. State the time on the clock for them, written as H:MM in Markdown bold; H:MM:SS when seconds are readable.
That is **11:24**
